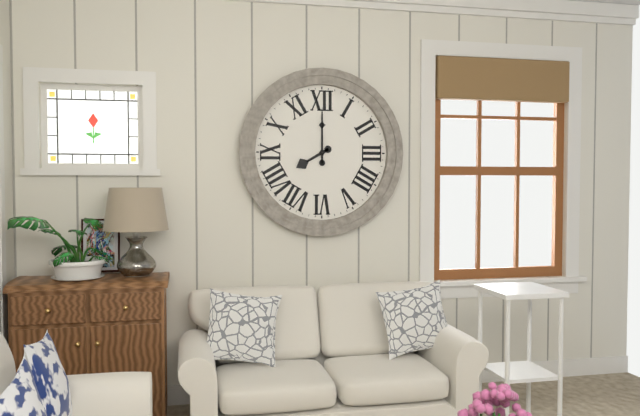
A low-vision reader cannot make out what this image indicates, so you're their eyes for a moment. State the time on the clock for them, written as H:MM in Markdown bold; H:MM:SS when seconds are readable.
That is **8:00**
